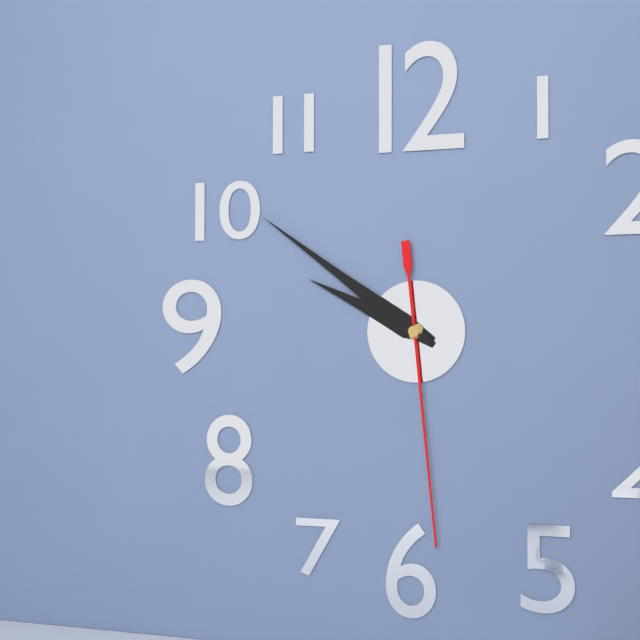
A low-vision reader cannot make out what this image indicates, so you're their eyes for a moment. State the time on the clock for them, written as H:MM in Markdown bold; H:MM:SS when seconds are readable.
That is **9:51:29**
